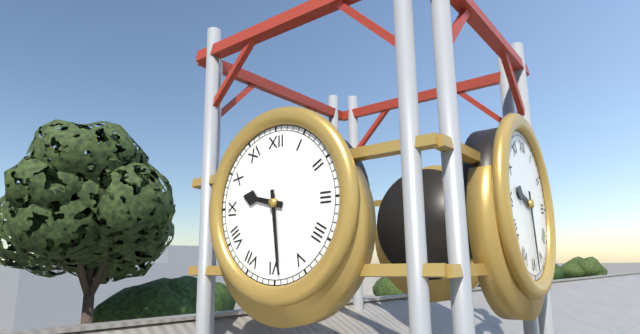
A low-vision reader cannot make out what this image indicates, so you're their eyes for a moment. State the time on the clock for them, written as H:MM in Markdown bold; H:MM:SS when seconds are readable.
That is **9:29**
